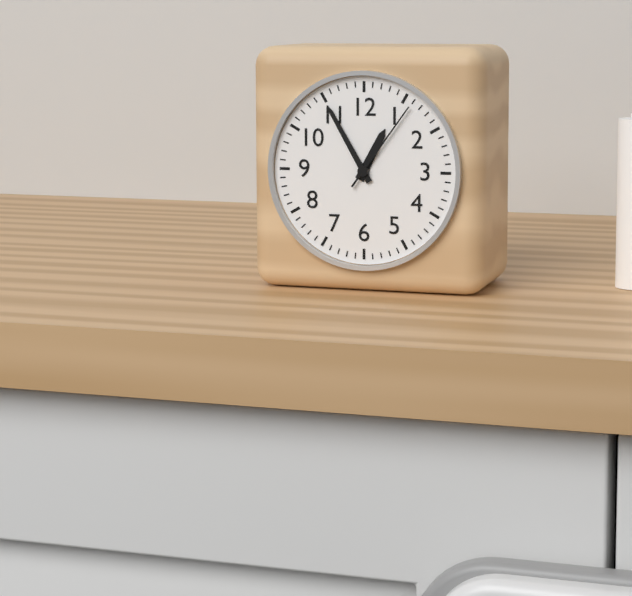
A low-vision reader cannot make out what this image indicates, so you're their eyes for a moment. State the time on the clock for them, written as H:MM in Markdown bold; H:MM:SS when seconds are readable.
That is **12:55:06**
